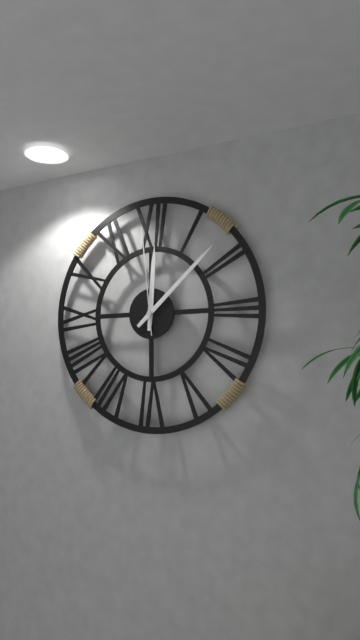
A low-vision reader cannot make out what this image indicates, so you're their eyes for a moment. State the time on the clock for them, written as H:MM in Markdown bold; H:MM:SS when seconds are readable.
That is **12:08:59**
